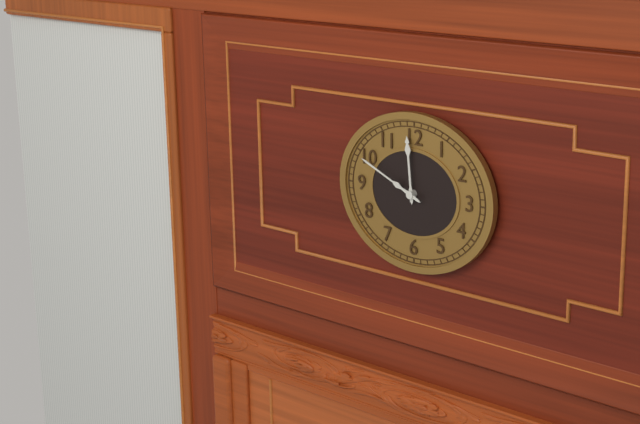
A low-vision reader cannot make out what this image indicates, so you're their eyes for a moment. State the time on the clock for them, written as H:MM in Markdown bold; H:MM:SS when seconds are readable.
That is **11:49**
